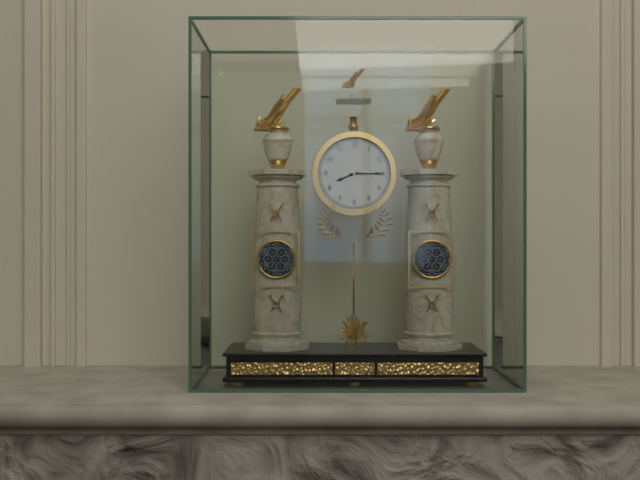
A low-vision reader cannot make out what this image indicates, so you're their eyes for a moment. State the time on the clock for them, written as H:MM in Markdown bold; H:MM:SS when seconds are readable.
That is **8:15**
